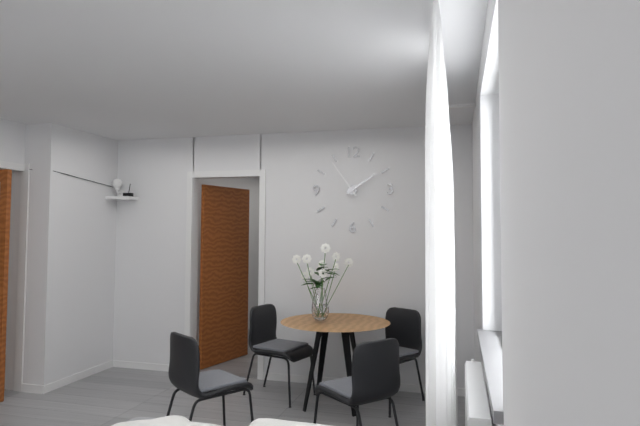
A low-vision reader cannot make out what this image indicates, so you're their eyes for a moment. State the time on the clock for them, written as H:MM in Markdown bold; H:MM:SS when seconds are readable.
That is **1:54**
